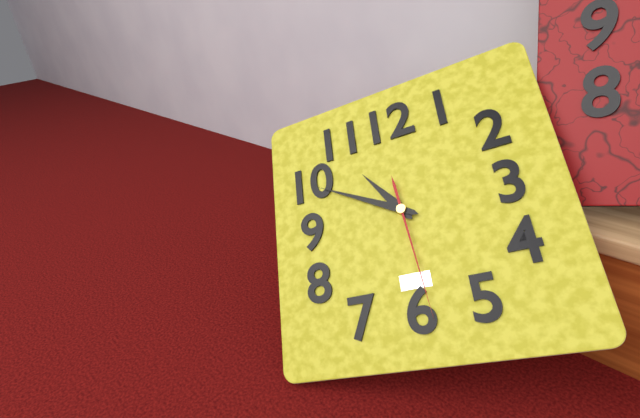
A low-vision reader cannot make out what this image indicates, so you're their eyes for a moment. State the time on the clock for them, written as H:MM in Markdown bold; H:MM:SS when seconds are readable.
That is **10:50:29**
